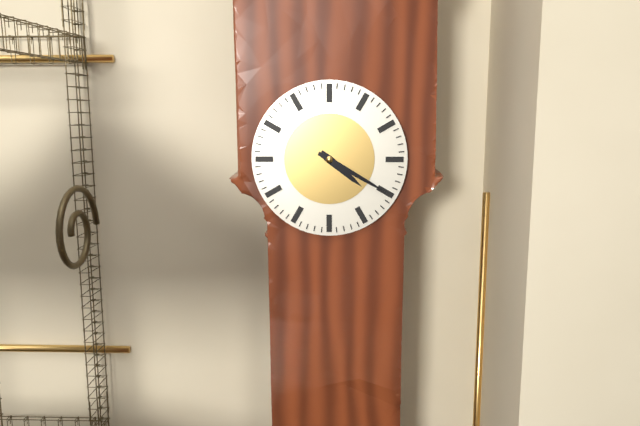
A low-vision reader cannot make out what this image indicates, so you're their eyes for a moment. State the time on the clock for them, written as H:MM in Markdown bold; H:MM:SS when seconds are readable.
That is **4:20**
